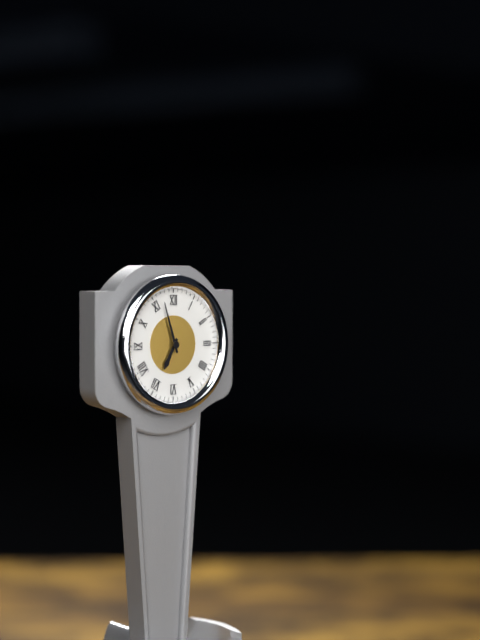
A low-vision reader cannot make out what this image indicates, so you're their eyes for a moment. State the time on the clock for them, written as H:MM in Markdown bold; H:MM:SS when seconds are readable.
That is **6:57**
